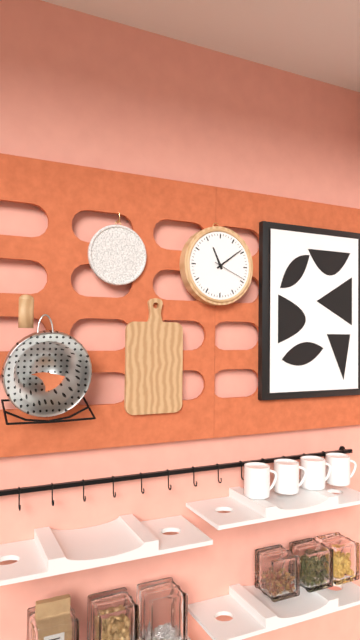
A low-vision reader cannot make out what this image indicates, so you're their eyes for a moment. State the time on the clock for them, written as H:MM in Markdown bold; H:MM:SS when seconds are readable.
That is **11:09**
